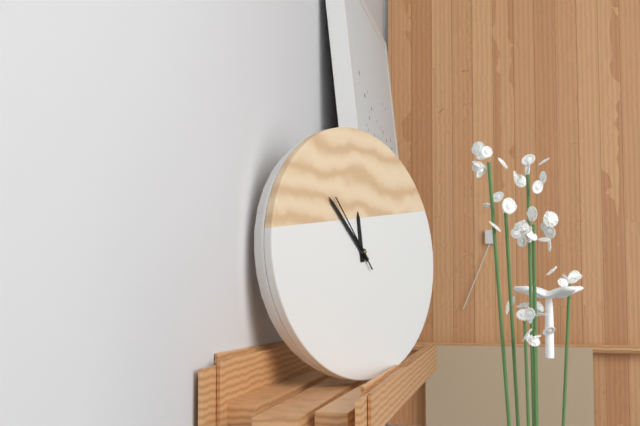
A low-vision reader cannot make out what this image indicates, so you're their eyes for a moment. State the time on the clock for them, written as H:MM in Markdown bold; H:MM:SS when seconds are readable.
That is **11:53:54**
